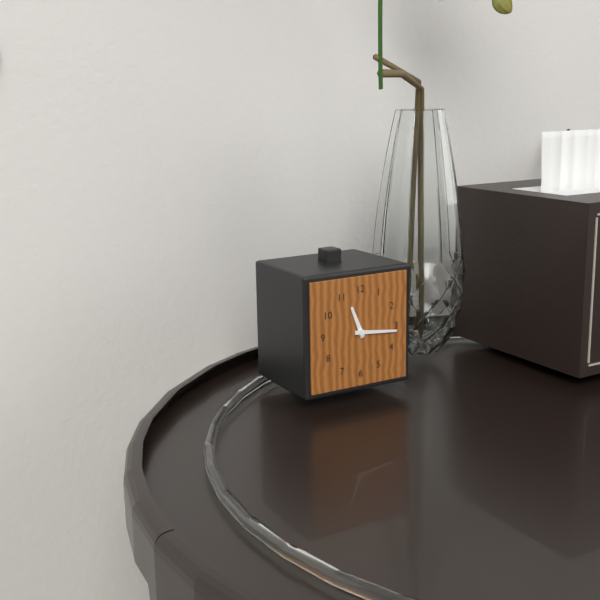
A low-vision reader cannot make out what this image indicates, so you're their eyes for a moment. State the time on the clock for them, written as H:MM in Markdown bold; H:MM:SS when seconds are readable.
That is **11:16**
